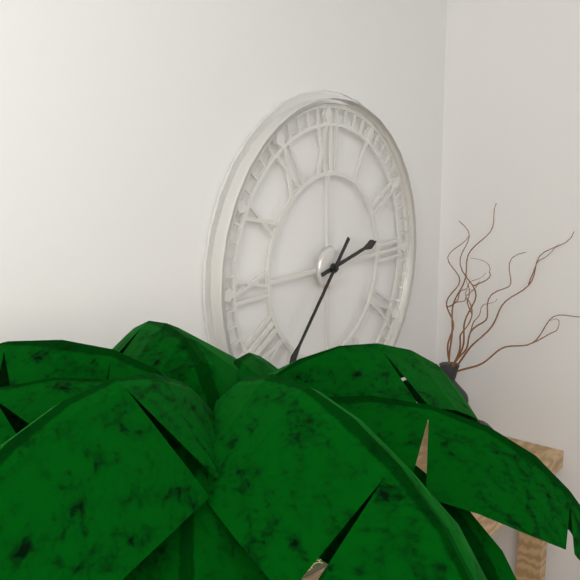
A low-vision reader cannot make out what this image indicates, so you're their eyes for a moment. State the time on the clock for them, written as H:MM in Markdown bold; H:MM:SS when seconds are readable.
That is **2:37**
